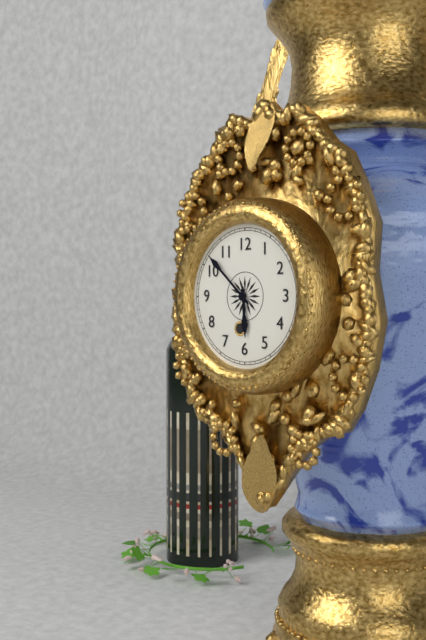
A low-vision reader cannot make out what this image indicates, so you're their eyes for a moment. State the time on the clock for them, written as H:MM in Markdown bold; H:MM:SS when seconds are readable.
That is **5:52**
